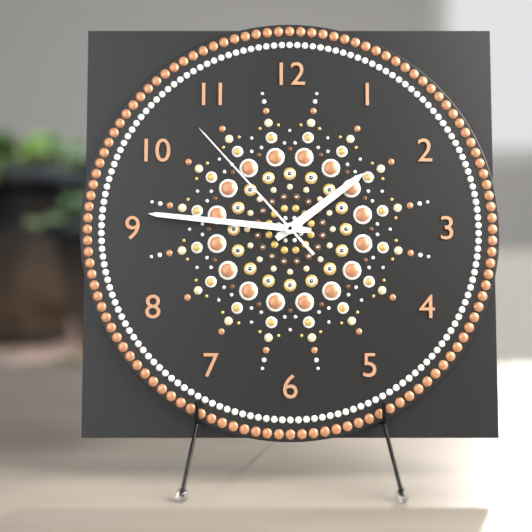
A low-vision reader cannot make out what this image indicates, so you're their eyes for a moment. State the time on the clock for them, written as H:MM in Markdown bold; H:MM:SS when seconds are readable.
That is **1:46:53**
